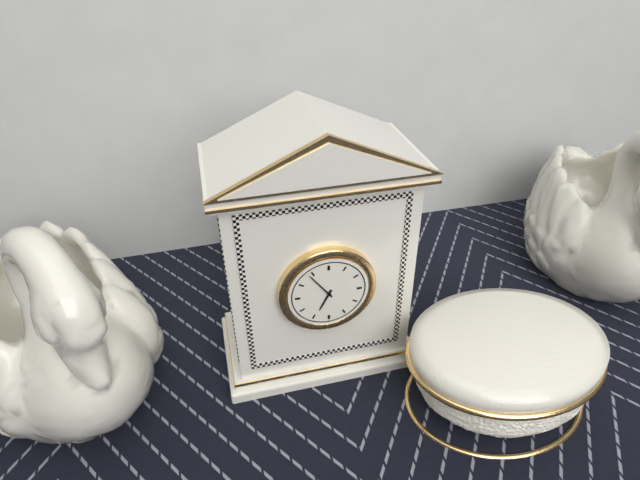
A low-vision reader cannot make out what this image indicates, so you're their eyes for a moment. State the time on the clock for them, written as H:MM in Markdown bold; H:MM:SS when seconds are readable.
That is **6:54**
